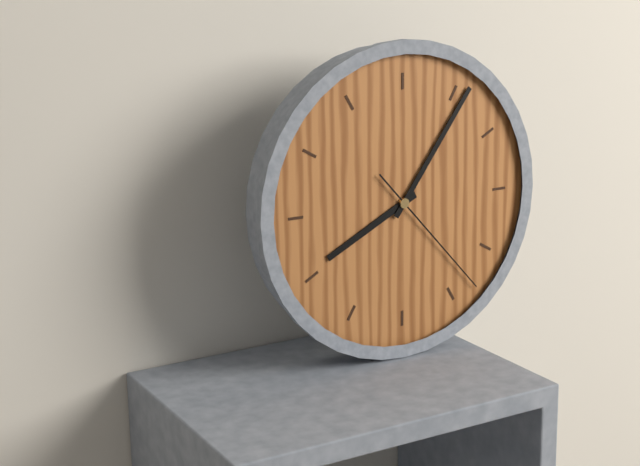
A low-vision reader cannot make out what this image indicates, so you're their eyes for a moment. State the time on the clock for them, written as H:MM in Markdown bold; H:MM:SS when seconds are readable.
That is **8:06:23**
